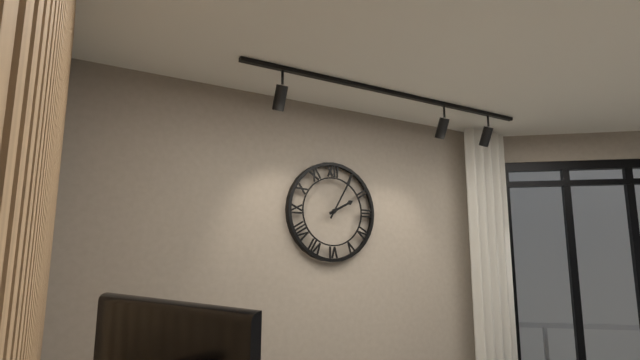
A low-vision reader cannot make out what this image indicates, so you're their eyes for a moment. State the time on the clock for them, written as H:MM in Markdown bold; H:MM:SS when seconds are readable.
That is **2:05**
